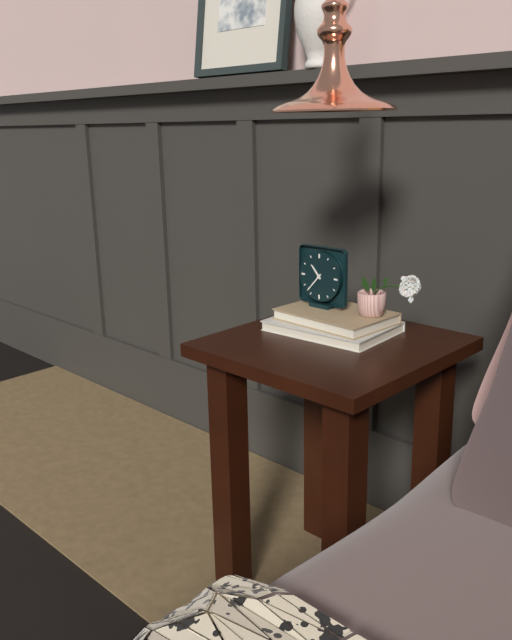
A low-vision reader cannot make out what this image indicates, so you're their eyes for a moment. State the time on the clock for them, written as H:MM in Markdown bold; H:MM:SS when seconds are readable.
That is **10:37**
